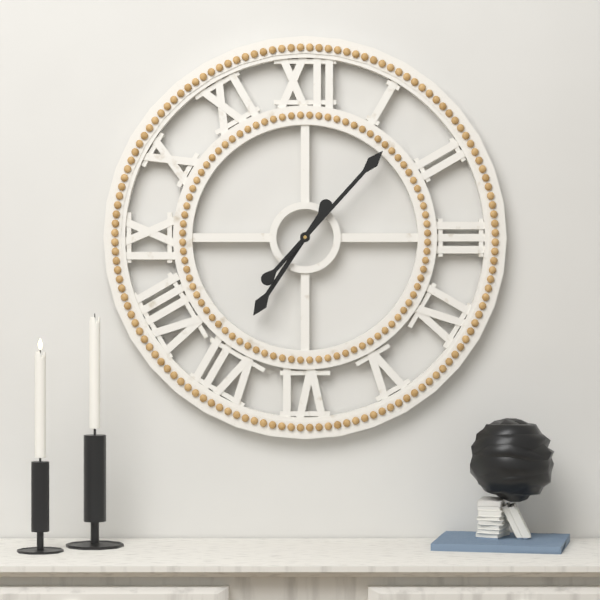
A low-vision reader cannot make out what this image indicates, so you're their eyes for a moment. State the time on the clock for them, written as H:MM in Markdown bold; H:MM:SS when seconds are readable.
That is **7:07**
